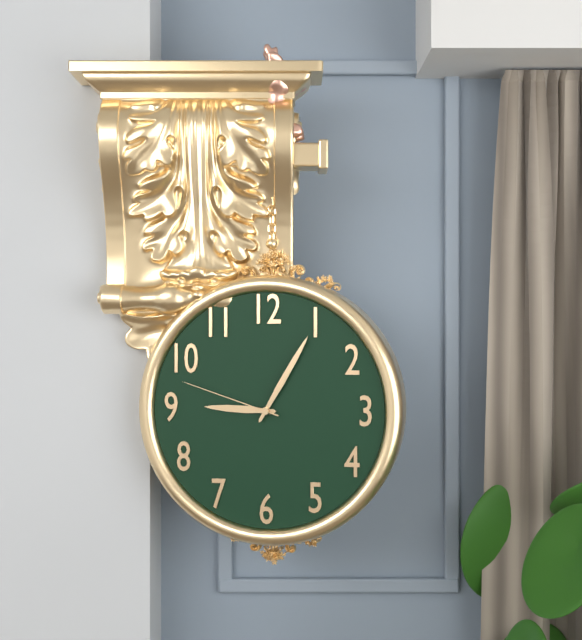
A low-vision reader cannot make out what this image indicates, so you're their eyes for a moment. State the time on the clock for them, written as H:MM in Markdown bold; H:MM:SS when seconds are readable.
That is **9:05:48**
